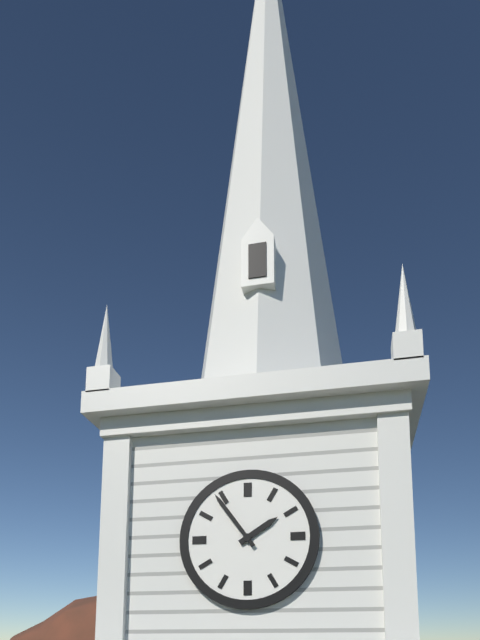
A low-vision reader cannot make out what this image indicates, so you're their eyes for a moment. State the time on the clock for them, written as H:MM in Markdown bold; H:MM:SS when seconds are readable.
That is **1:54**
